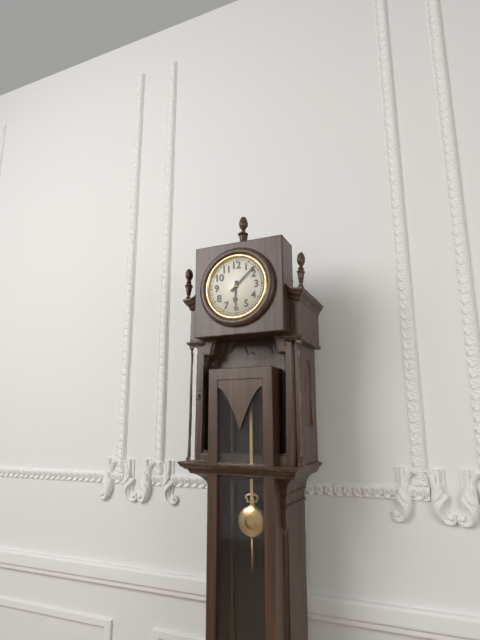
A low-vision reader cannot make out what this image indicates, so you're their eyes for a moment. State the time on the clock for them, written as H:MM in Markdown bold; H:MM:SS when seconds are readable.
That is **6:08**
